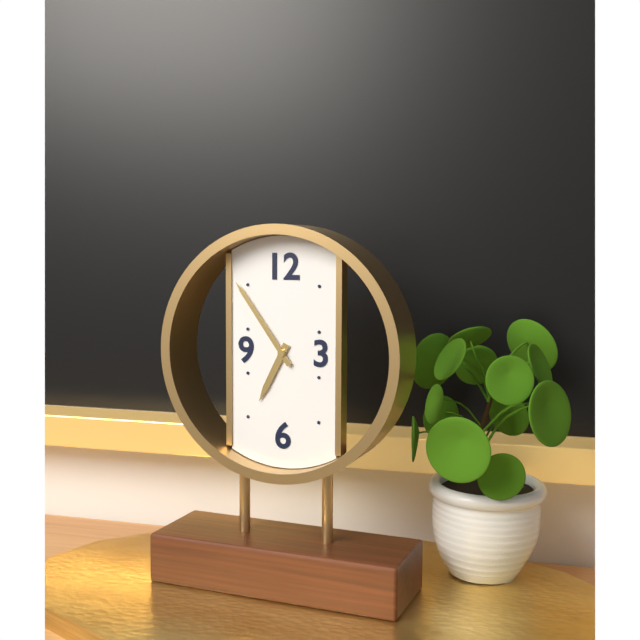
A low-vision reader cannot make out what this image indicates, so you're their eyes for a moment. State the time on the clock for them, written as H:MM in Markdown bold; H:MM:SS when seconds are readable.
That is **6:54**
